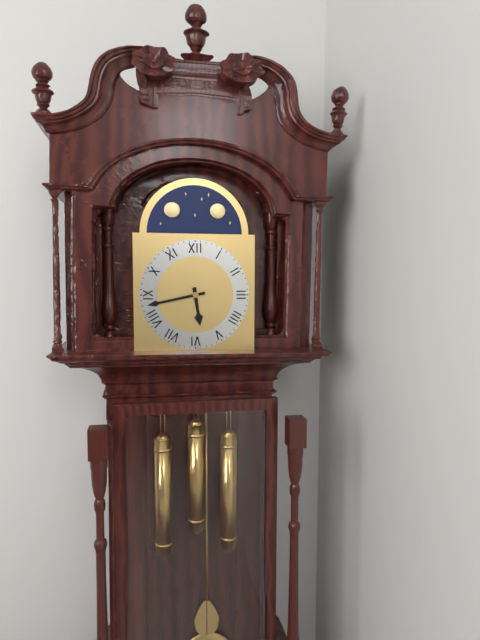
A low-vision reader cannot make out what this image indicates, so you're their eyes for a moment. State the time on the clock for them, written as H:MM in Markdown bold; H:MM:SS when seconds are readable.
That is **5:43**
